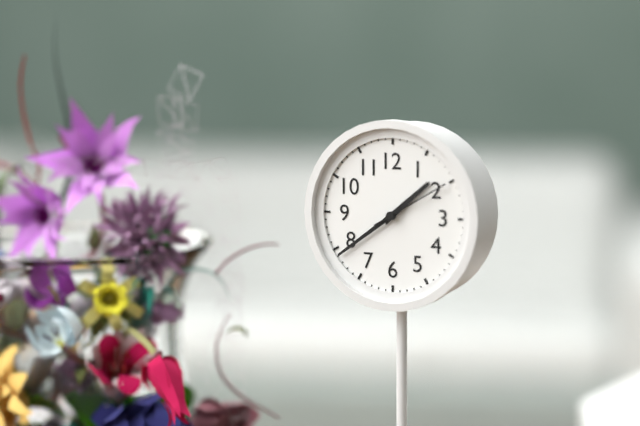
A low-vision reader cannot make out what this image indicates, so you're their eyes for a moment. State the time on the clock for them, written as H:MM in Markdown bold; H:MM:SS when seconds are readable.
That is **1:39:10**
